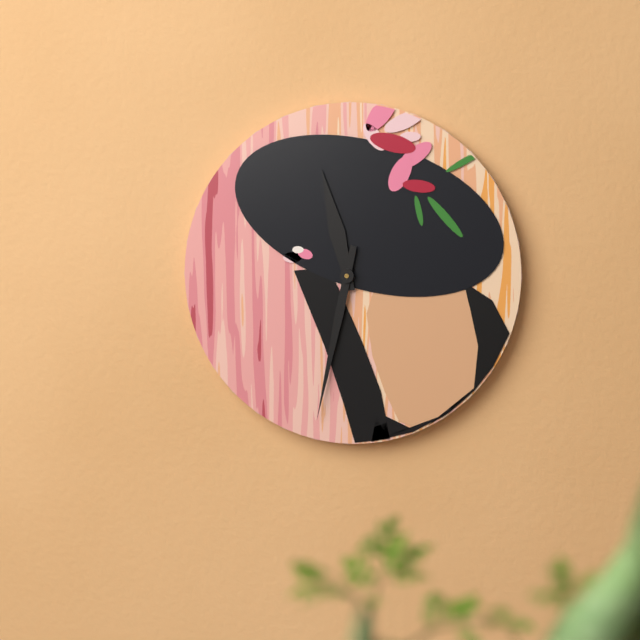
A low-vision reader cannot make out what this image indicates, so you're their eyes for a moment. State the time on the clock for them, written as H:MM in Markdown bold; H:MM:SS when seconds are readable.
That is **11:32**
